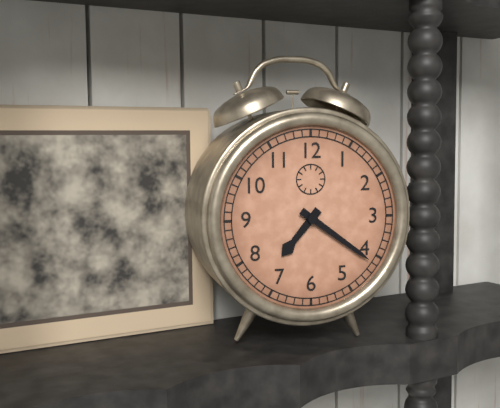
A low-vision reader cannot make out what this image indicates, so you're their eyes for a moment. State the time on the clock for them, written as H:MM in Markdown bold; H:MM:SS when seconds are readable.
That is **7:21**
